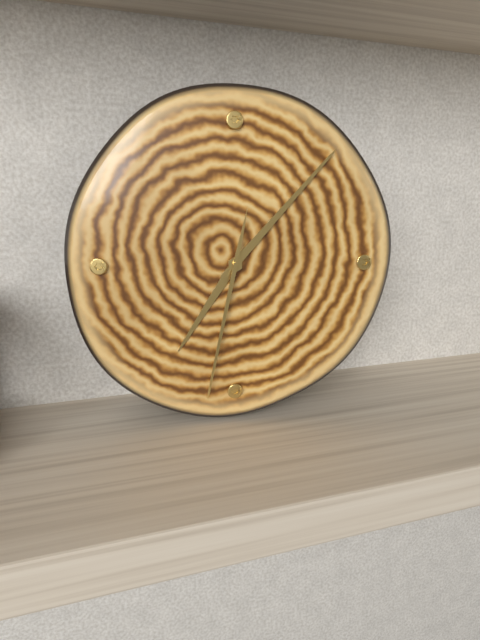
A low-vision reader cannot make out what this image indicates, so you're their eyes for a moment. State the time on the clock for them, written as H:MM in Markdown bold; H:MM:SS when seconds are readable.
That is **7:07:32**
